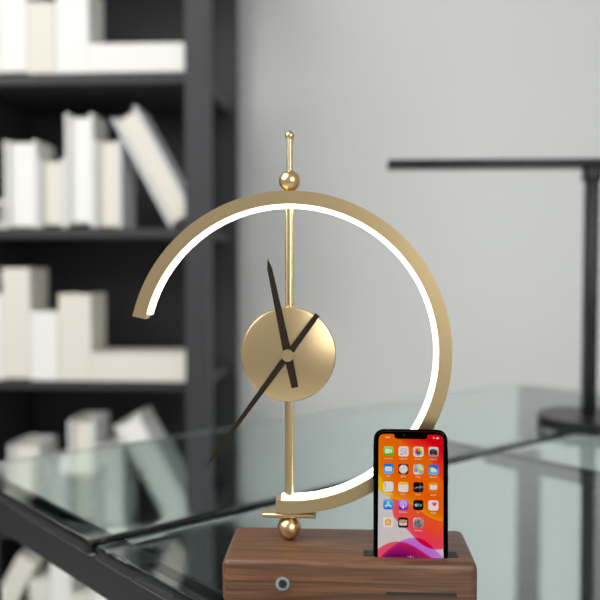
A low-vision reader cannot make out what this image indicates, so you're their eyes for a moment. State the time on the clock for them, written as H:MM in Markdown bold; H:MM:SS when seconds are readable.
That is **11:36**
